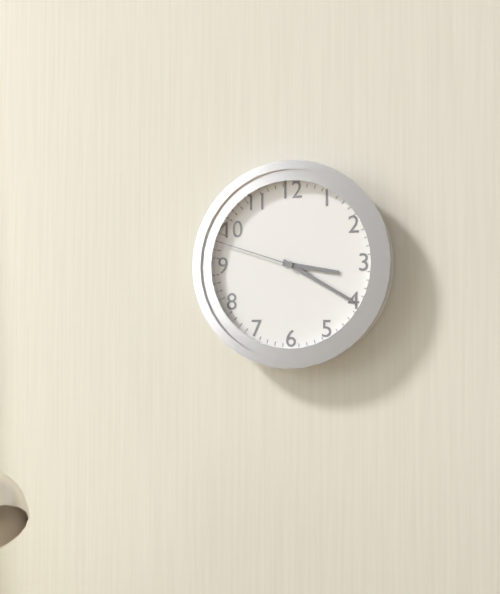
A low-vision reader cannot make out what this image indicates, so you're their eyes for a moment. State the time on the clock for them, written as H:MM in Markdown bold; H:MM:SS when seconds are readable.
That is **3:20:48**
